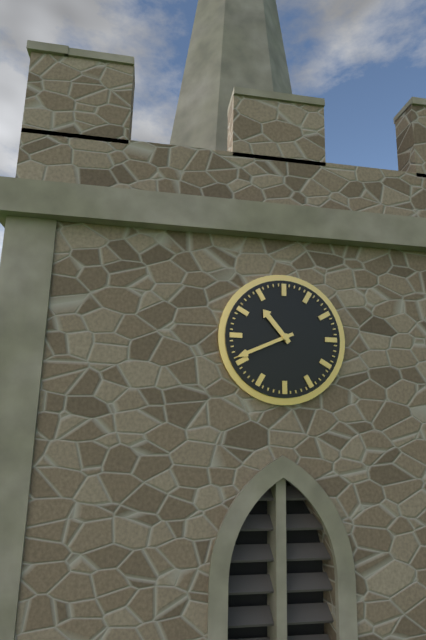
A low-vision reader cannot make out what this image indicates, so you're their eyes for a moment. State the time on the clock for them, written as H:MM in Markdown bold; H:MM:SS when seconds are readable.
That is **10:41**
